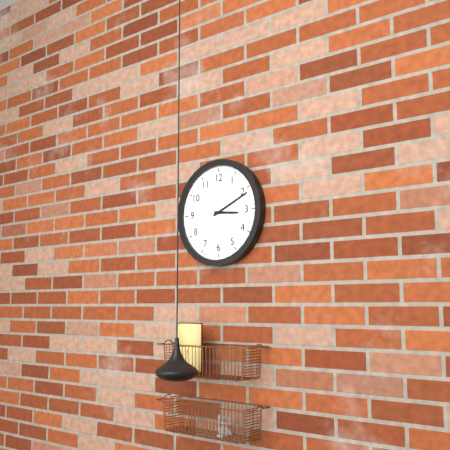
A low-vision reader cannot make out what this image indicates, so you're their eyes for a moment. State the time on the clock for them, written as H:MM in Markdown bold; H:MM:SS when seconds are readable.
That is **3:11**
